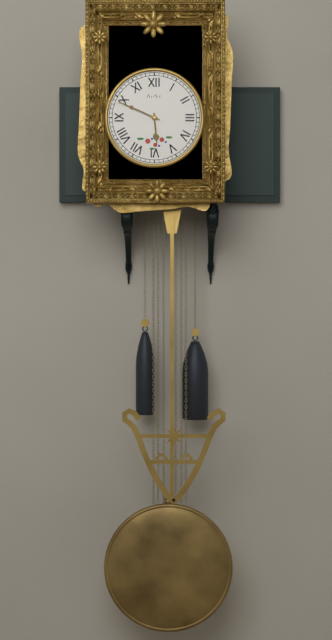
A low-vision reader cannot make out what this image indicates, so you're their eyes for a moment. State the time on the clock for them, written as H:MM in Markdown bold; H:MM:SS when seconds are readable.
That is **5:49**
